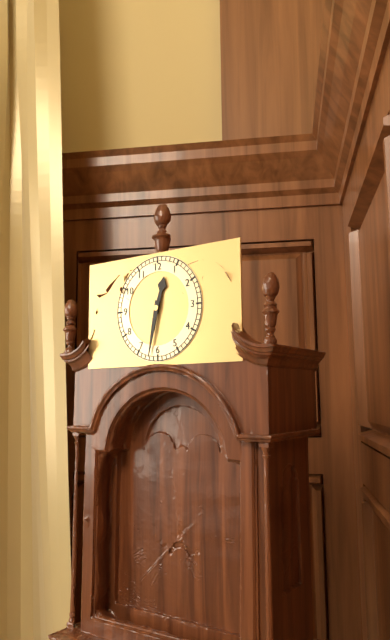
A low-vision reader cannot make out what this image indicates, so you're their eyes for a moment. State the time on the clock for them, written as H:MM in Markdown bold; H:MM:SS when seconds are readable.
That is **12:32**
